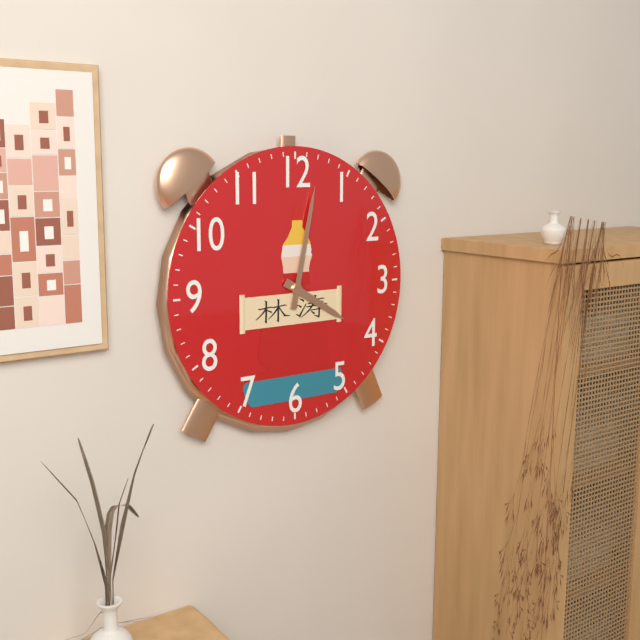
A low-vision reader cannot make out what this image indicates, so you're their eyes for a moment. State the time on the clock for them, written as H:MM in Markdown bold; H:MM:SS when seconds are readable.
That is **4:02**
